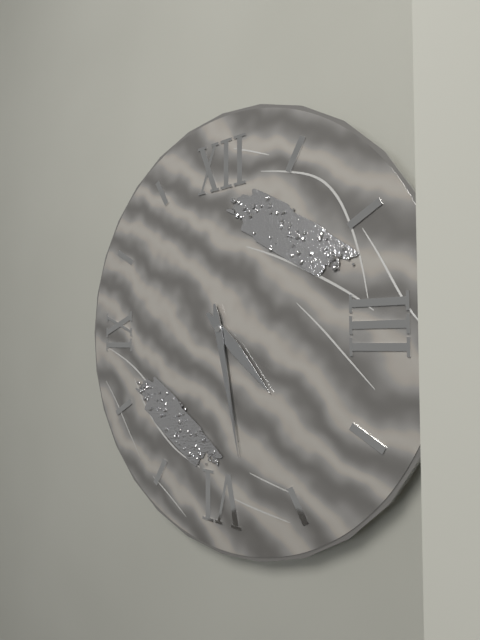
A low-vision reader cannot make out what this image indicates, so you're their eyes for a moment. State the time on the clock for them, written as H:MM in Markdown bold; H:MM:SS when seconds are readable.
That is **4:28**
